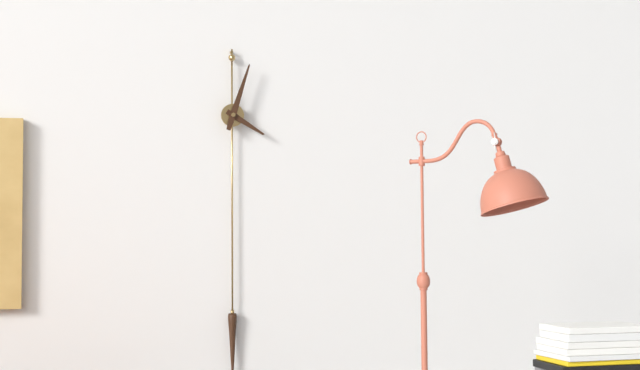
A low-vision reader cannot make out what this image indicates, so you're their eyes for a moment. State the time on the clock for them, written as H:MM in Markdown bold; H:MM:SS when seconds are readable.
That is **4:03**
